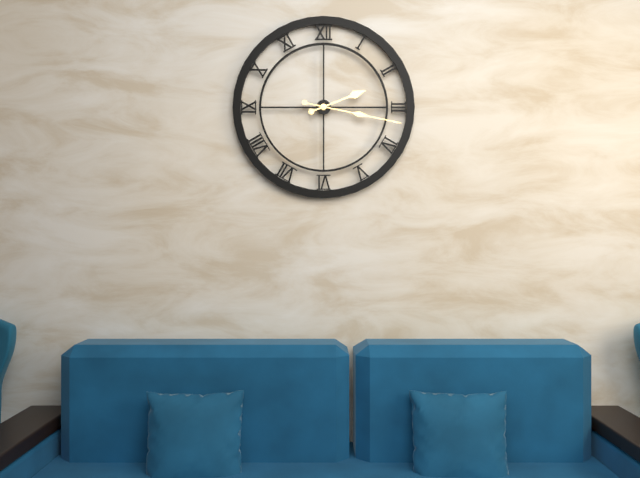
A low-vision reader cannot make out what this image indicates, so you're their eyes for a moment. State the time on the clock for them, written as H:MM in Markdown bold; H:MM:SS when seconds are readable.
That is **2:17**
